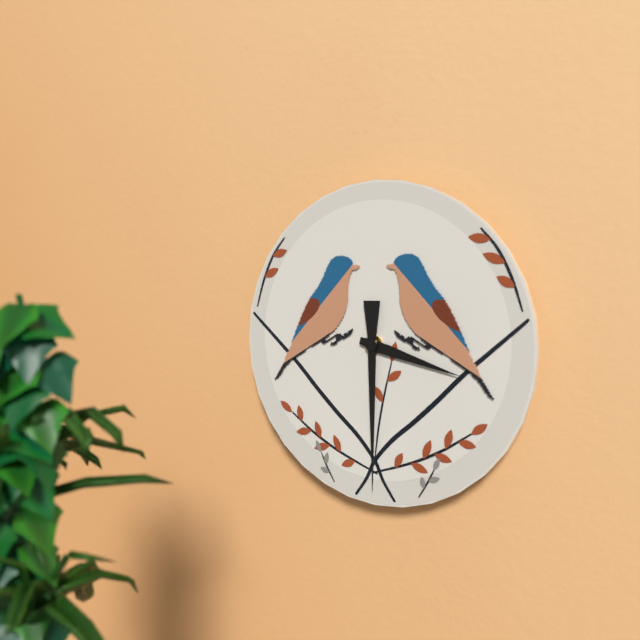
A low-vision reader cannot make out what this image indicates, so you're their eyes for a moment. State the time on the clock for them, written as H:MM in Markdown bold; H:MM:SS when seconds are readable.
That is **3:30**
